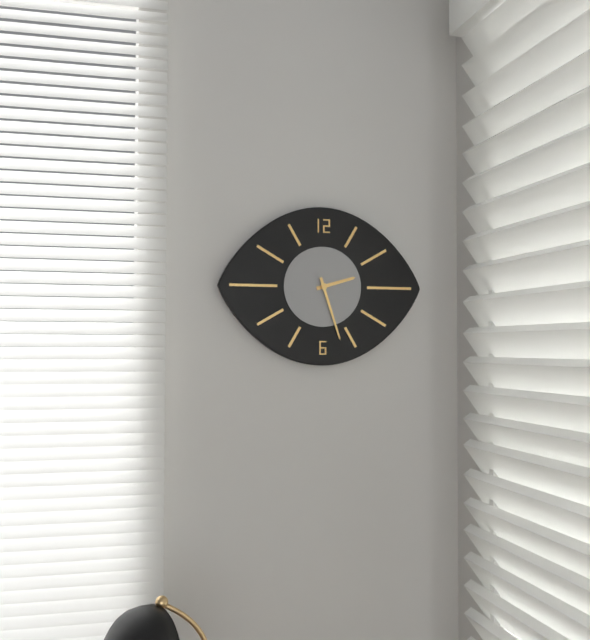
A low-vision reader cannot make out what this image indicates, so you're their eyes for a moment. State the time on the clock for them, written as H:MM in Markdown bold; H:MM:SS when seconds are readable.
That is **2:27**
